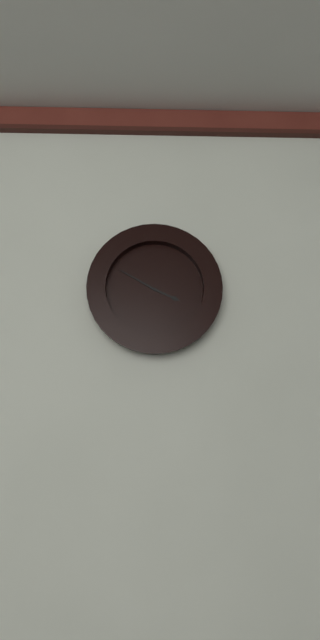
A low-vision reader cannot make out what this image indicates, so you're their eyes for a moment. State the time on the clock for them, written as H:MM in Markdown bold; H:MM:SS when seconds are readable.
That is **3:50**
